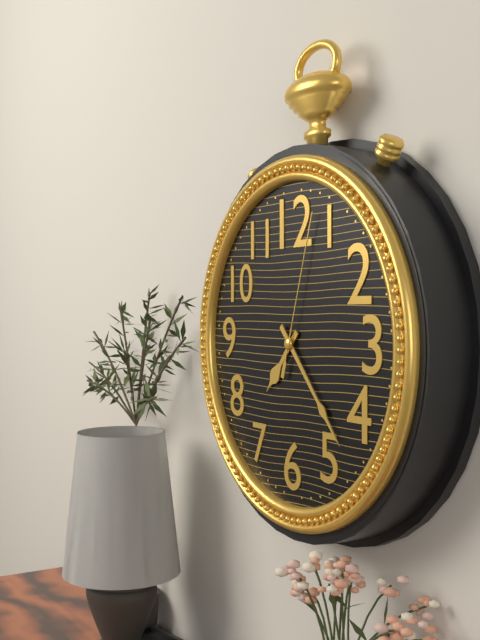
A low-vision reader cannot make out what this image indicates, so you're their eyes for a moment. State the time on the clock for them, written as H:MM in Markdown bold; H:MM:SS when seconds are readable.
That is **7:23:03**
